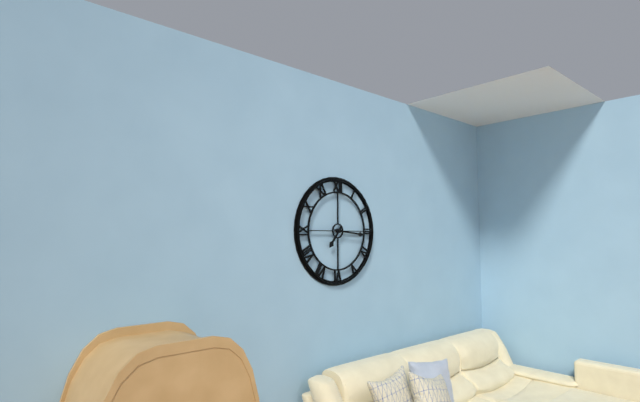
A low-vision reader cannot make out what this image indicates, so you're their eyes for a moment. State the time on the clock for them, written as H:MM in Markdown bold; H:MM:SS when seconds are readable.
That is **7:16**
